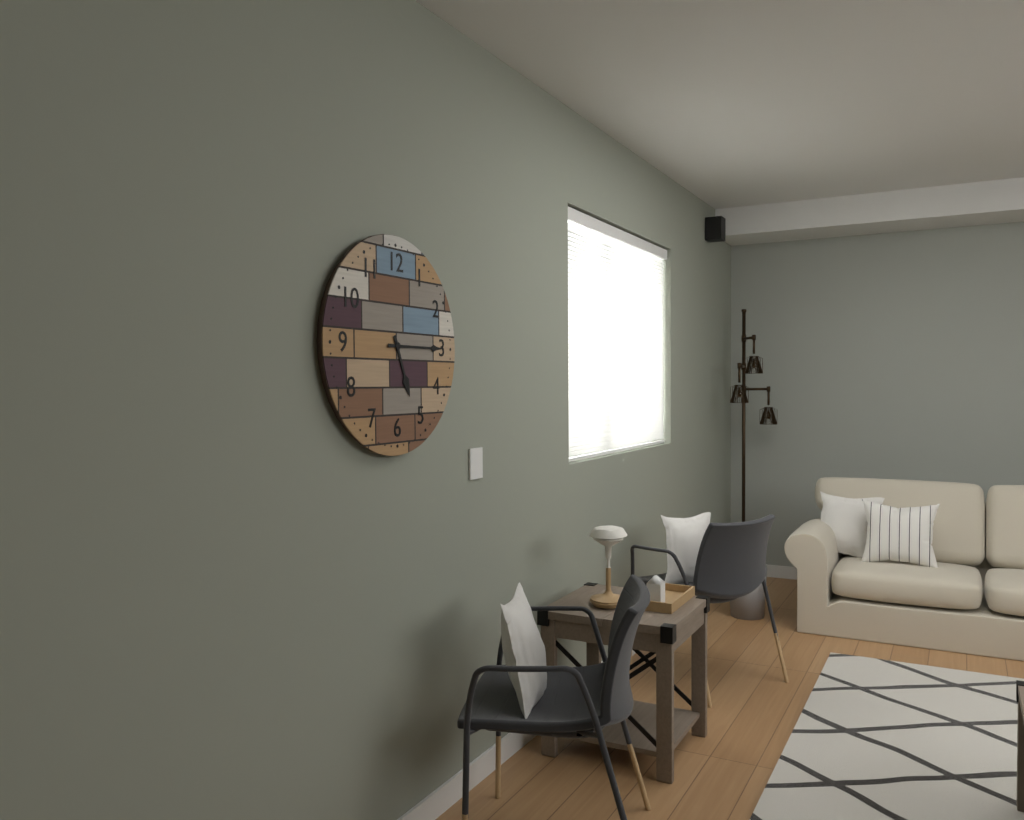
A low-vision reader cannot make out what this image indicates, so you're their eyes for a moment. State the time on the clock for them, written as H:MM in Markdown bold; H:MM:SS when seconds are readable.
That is **5:15**
